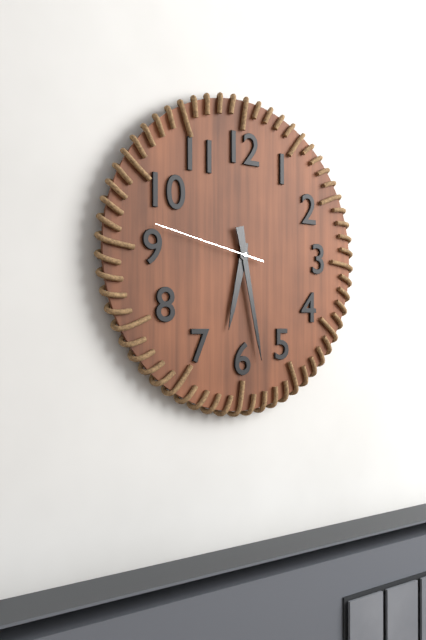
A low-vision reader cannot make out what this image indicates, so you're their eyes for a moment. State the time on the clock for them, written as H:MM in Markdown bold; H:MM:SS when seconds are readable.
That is **6:28:47**
